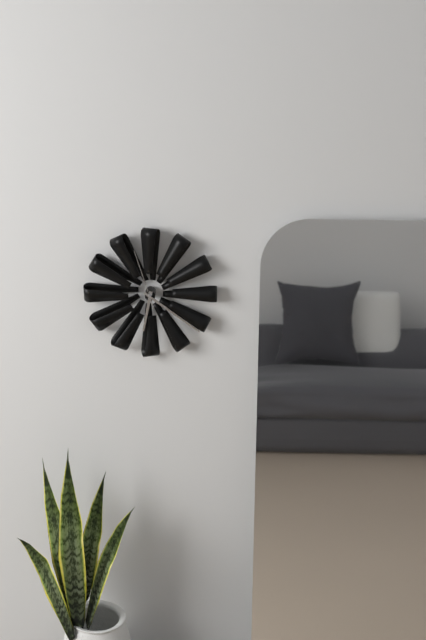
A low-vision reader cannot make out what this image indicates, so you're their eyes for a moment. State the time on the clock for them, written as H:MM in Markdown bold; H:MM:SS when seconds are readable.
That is **6:21:57**
